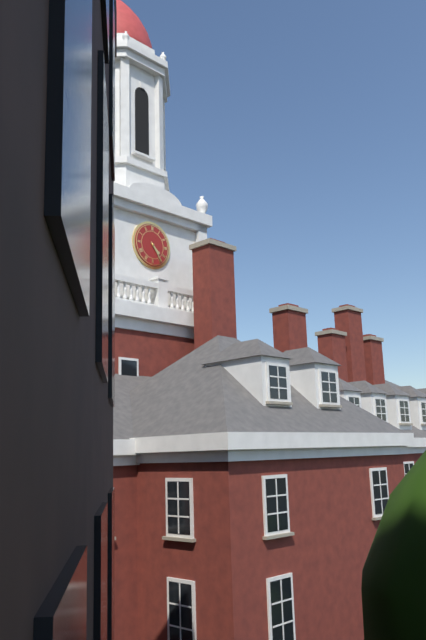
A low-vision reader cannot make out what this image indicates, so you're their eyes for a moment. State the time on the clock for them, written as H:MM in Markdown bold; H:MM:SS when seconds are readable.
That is **4:24**
